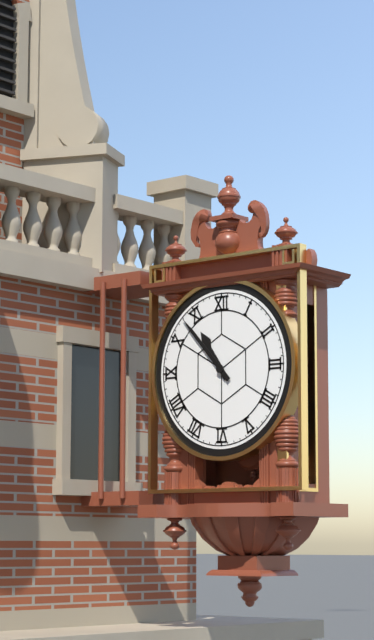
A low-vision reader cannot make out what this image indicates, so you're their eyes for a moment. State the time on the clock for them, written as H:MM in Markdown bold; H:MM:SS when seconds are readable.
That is **10:53**
